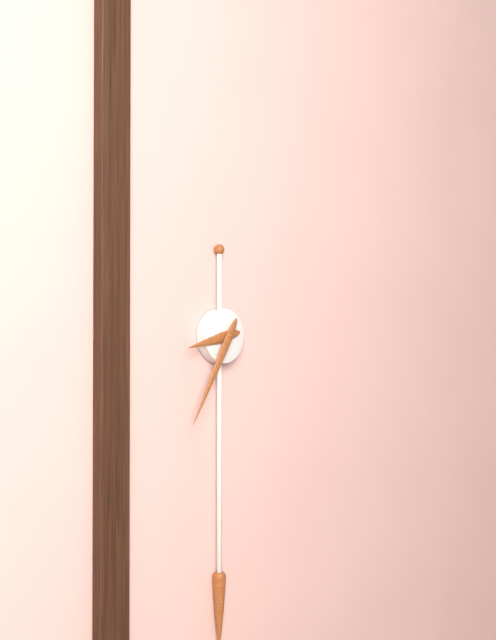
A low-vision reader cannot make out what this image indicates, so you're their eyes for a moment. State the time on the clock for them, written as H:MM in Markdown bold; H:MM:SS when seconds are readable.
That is **8:35**
